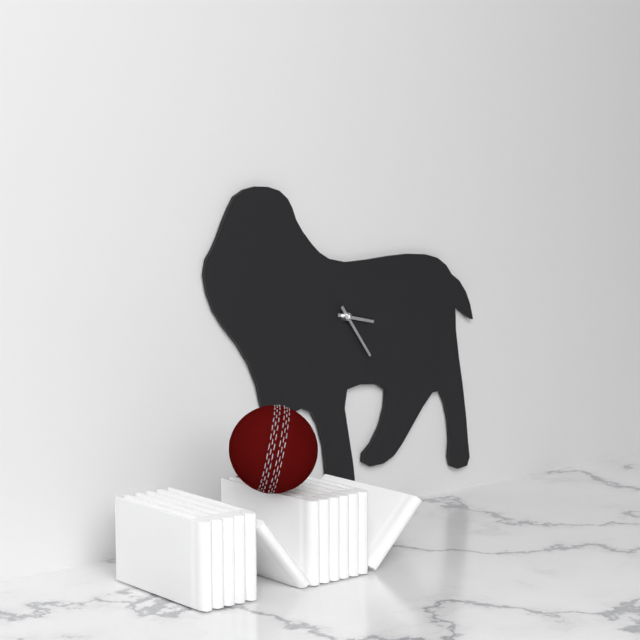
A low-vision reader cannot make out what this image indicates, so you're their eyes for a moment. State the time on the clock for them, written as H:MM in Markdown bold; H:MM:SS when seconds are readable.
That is **3:24**
